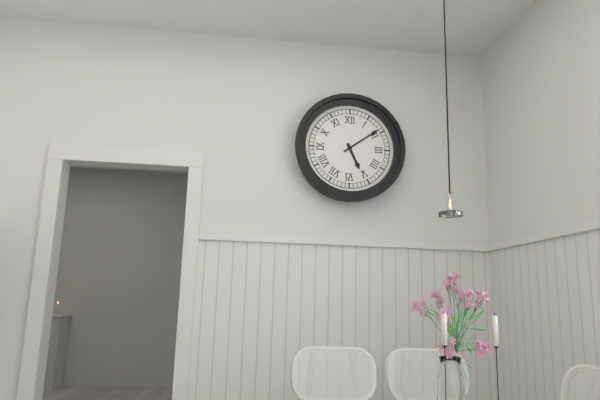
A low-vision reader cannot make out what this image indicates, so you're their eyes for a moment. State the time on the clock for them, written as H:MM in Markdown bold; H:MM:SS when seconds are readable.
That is **5:09**
